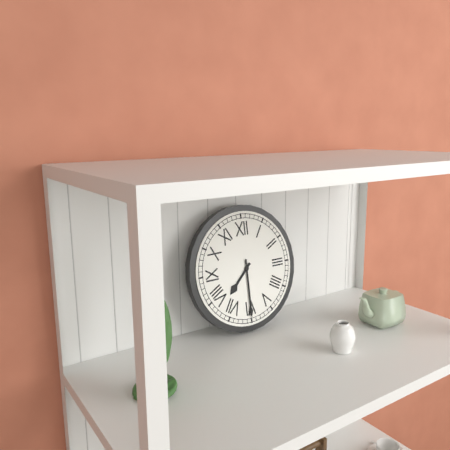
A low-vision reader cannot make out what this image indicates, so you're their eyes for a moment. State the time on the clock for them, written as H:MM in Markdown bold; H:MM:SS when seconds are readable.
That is **7:30**
